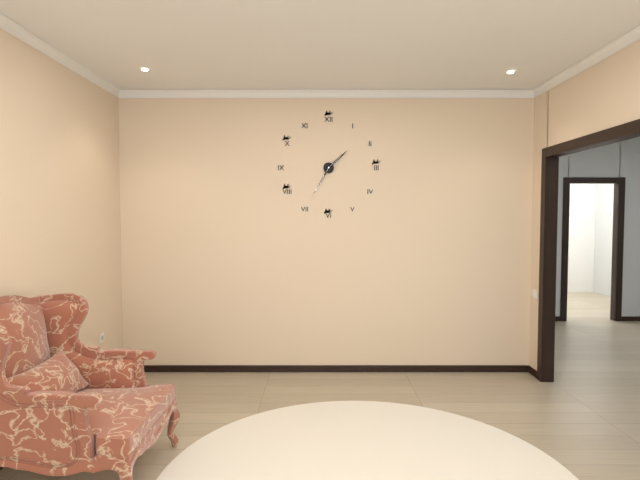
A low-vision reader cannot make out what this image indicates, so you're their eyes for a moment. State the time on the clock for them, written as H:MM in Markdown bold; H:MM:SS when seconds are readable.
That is **1:35**
